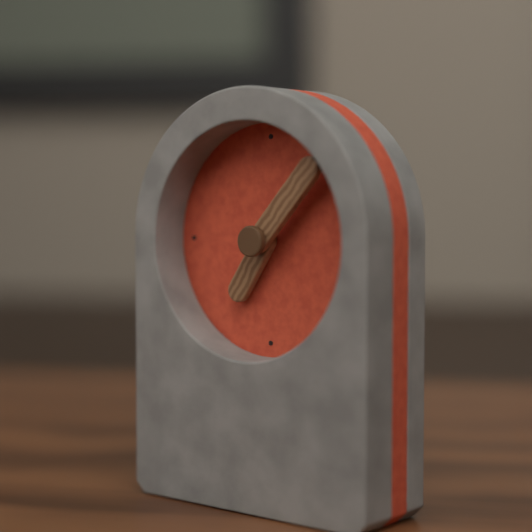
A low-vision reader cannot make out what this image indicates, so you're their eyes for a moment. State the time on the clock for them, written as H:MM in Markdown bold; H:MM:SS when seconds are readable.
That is **7:07**
